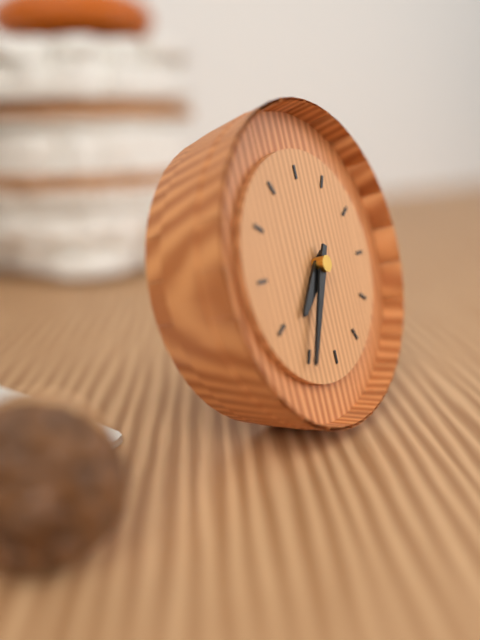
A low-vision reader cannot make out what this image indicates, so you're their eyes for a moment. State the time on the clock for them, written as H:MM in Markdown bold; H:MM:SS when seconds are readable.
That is **7:35**
